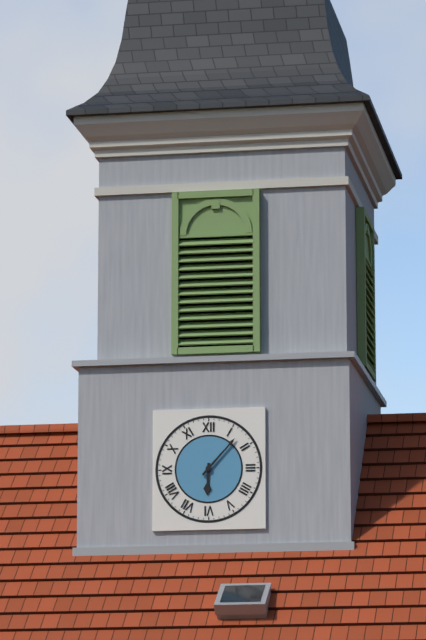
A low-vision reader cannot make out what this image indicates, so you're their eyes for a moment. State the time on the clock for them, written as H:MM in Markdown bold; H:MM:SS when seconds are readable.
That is **6:07**
